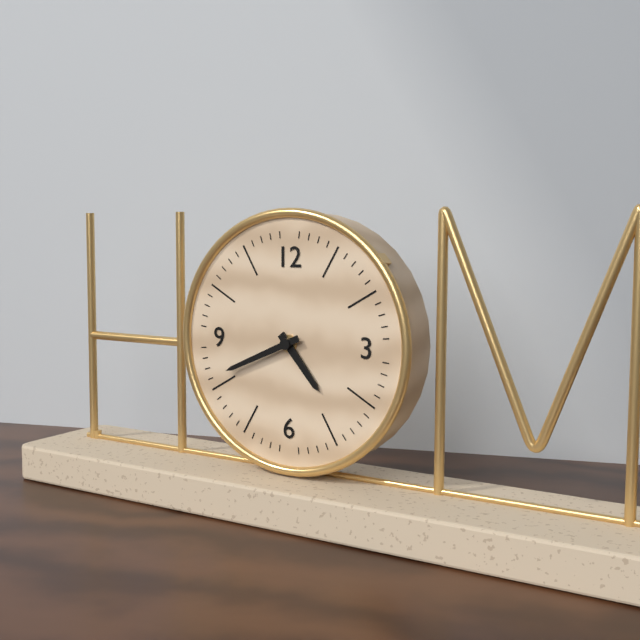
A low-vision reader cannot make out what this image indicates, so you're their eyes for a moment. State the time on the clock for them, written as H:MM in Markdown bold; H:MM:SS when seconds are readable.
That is **4:41**
